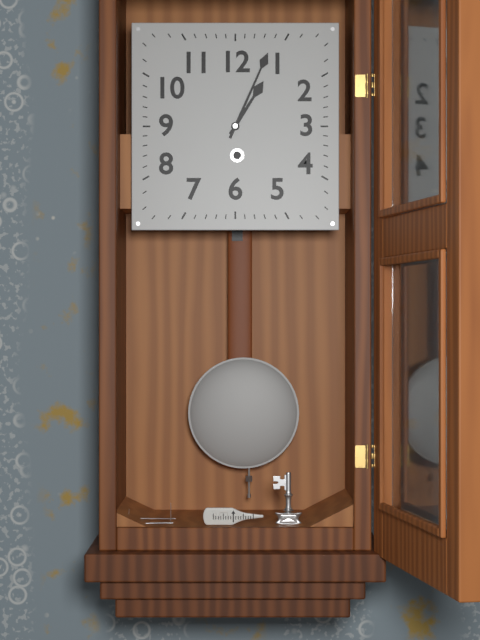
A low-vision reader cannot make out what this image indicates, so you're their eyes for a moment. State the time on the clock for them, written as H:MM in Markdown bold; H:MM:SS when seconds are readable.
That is **1:04**
